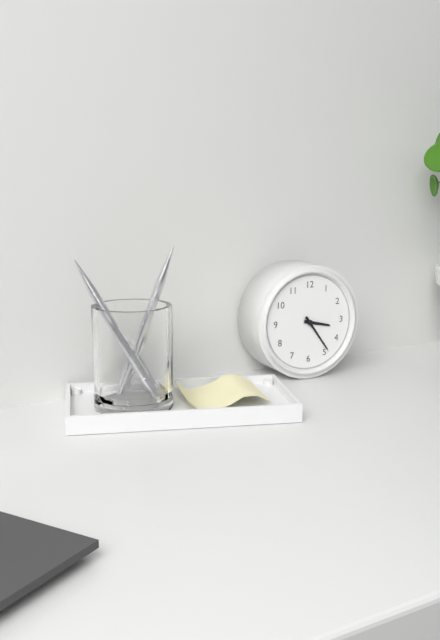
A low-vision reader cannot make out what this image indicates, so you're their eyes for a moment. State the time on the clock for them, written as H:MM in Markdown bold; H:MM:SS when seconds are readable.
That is **3:24**
